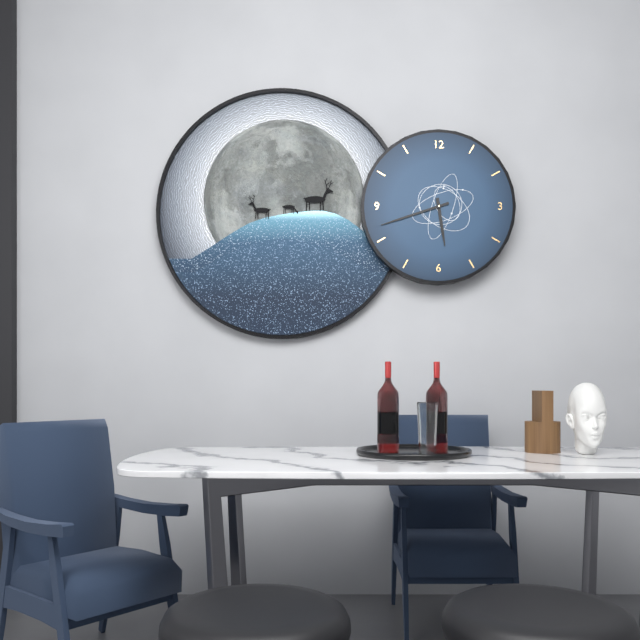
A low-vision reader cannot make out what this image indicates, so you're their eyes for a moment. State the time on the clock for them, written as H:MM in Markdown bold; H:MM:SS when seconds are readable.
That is **5:42**
